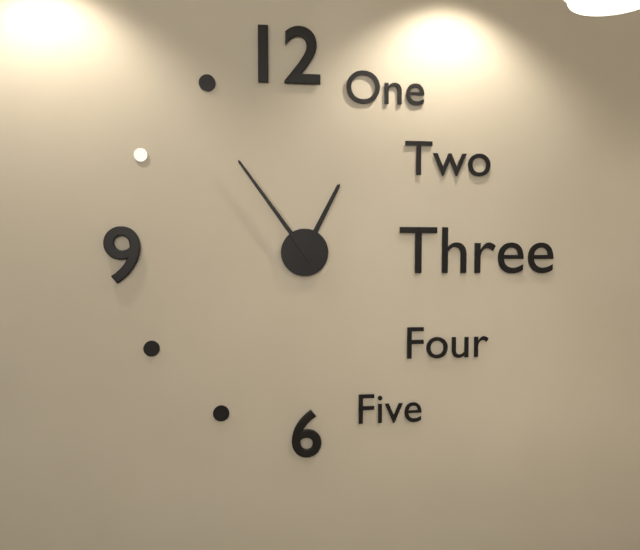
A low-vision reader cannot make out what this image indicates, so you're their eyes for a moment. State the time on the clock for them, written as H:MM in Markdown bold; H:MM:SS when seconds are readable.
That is **12:54**
